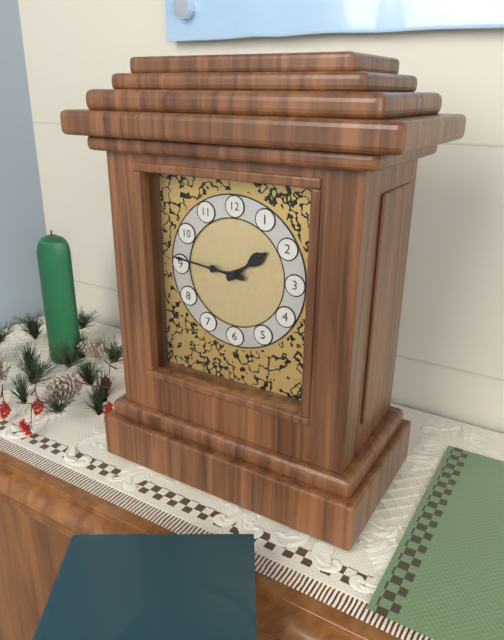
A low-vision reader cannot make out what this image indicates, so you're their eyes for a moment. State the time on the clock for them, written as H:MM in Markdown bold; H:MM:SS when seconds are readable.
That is **1:46**
